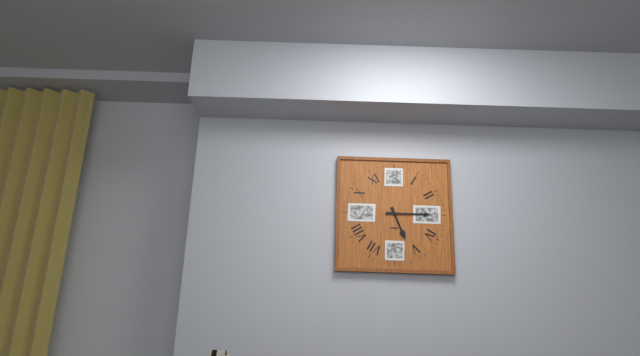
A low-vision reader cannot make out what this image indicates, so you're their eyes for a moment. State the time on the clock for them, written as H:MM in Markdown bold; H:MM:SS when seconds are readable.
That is **5:15**
